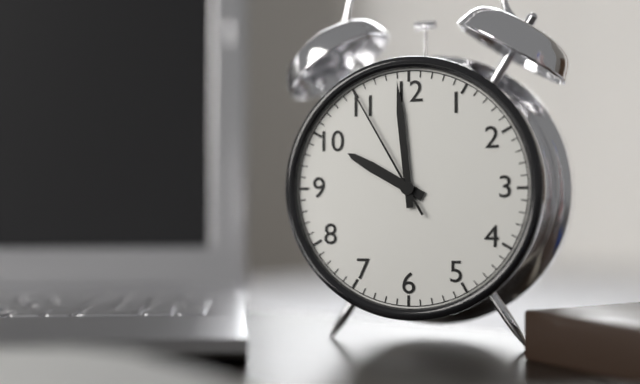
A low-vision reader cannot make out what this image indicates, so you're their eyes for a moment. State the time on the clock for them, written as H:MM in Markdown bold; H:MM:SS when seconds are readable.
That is **9:59:55**
